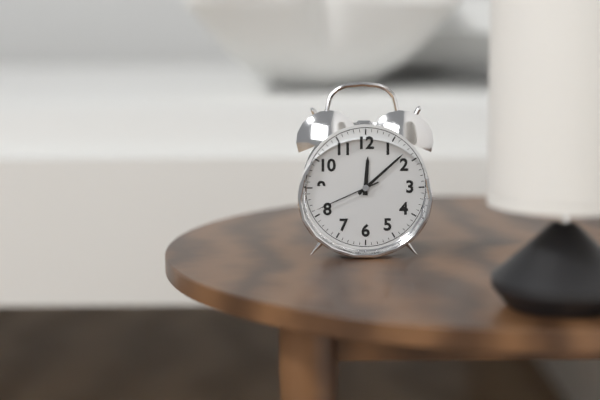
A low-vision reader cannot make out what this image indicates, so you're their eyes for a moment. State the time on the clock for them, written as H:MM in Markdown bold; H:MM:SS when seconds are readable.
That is **12:08:41**
